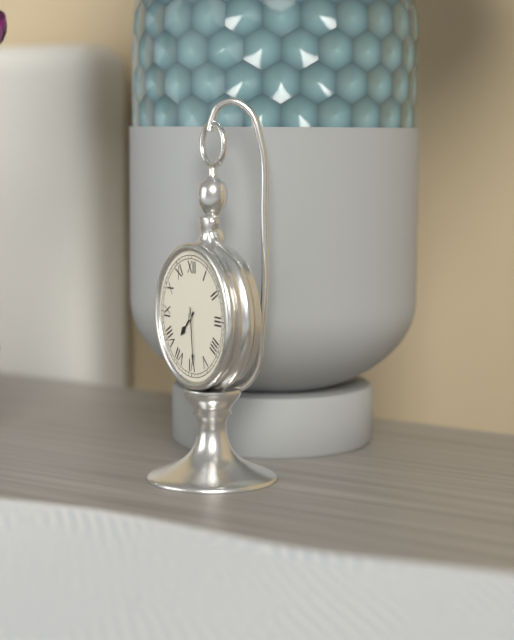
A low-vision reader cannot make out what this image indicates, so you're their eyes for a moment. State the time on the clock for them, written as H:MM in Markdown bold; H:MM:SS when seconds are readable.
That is **7:29**
